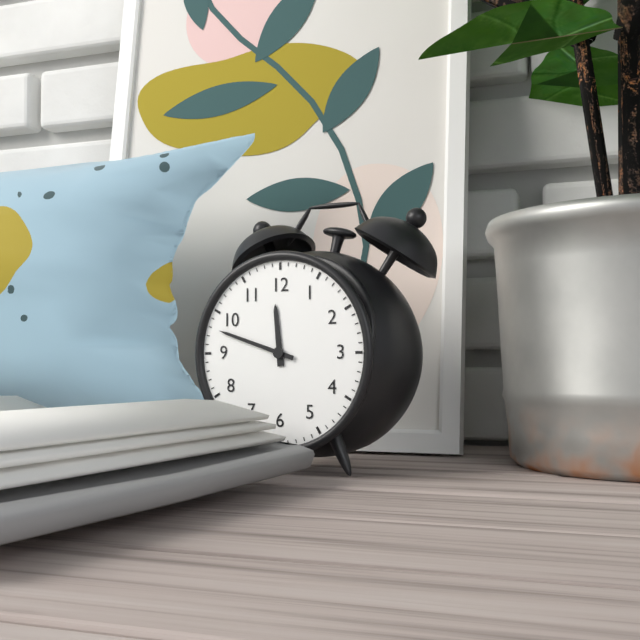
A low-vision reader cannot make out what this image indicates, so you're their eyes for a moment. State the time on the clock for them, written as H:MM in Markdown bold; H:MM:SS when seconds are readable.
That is **11:48**
